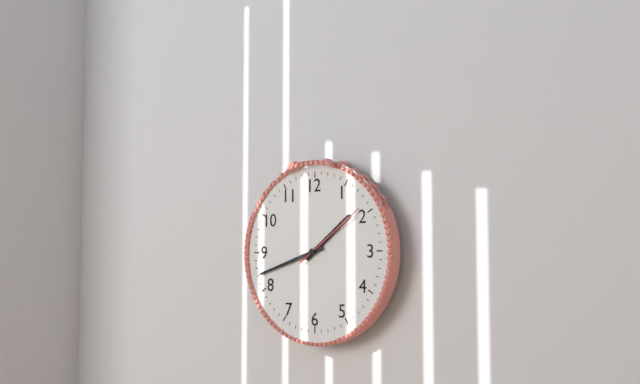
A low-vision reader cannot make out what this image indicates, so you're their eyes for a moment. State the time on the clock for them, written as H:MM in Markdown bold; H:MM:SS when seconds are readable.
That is **1:42:09**
